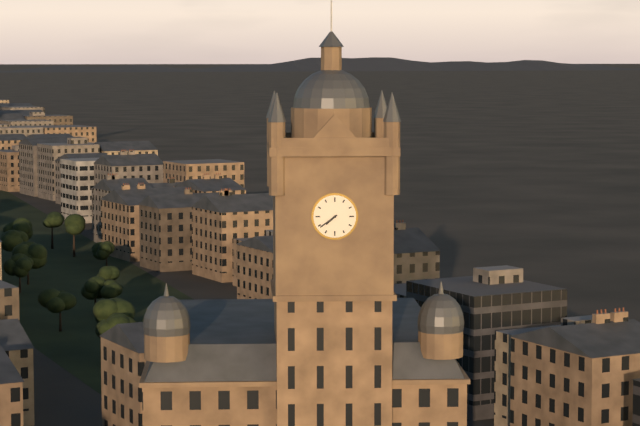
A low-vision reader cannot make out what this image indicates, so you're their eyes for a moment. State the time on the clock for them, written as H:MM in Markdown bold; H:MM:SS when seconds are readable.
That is **7:39**
